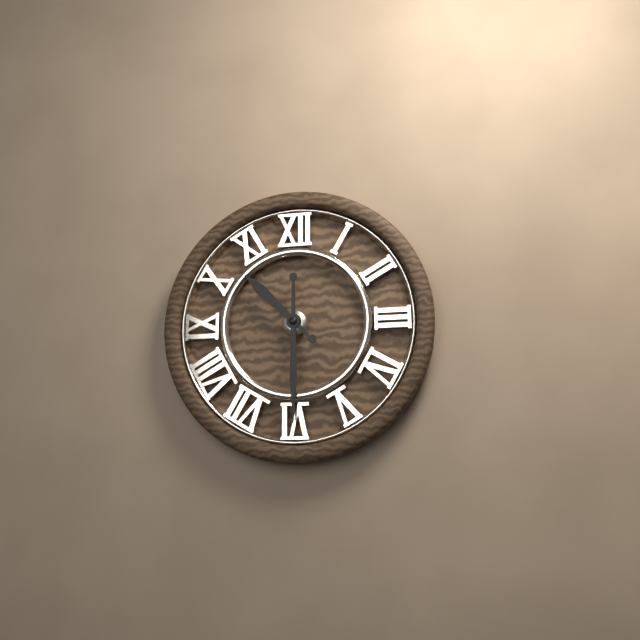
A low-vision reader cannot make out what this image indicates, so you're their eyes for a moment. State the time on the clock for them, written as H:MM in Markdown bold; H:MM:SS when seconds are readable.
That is **10:30**
